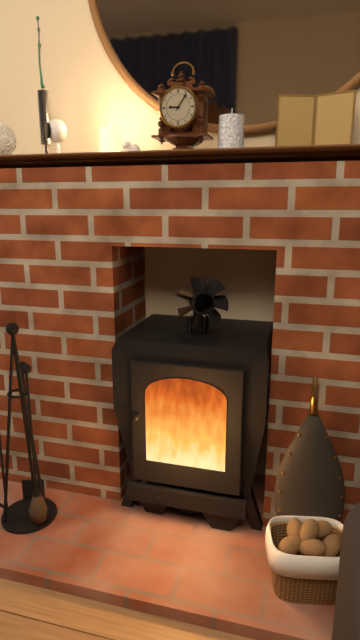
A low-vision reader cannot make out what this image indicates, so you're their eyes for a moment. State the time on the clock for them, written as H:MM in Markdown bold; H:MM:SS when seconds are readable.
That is **9:06**
